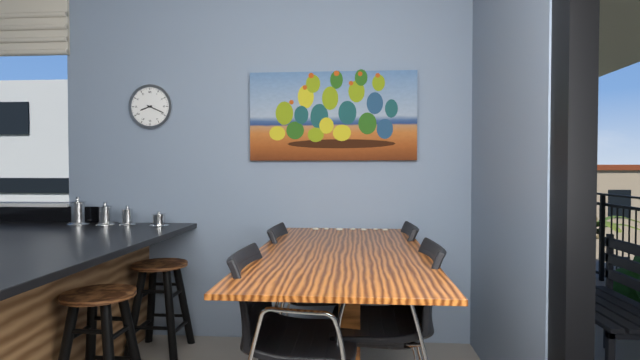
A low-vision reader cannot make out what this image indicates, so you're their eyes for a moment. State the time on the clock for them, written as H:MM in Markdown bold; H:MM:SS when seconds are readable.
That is **8:19**
